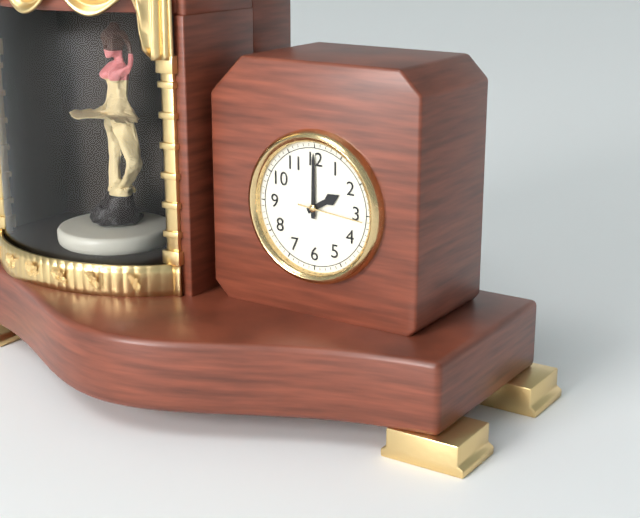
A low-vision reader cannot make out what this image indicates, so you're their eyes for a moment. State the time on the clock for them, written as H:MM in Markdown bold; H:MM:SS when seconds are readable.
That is **2:00:16**
